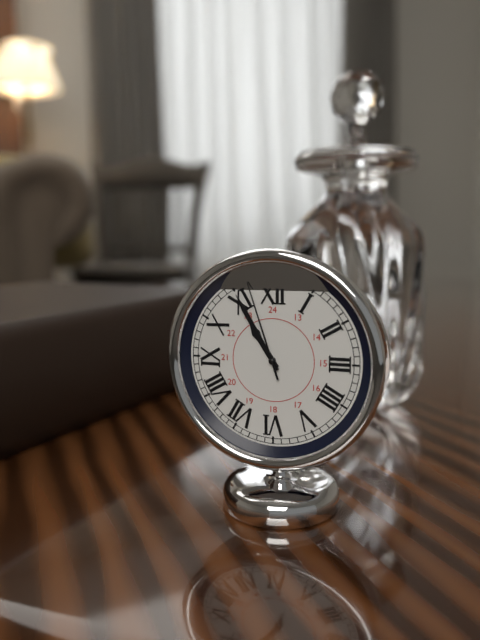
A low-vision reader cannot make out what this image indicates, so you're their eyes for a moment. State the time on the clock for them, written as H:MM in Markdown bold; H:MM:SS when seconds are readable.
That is **10:55:57**
